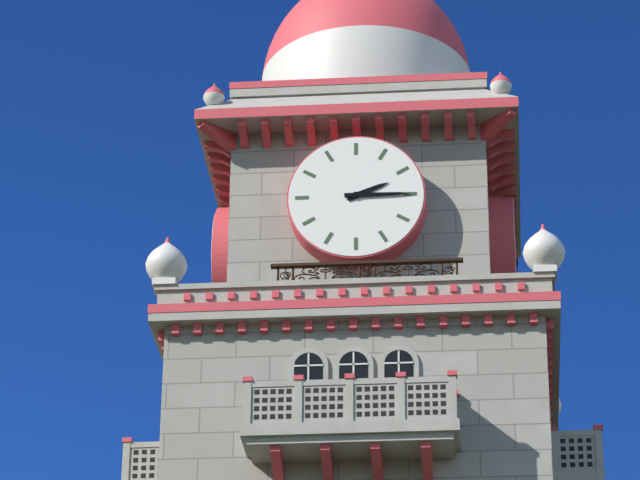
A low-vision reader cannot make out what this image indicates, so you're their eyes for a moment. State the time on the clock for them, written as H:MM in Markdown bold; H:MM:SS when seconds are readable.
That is **2:15**
